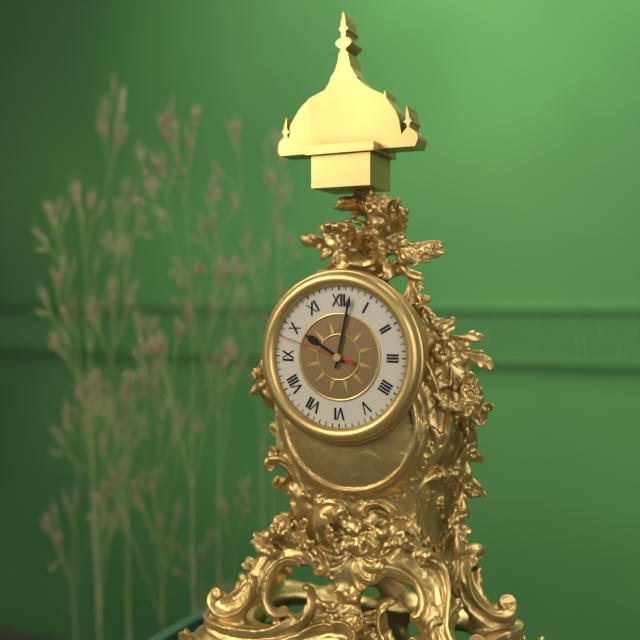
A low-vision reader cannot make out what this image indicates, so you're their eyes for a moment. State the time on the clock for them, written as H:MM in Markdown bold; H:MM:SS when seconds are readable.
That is **10:02:48**
